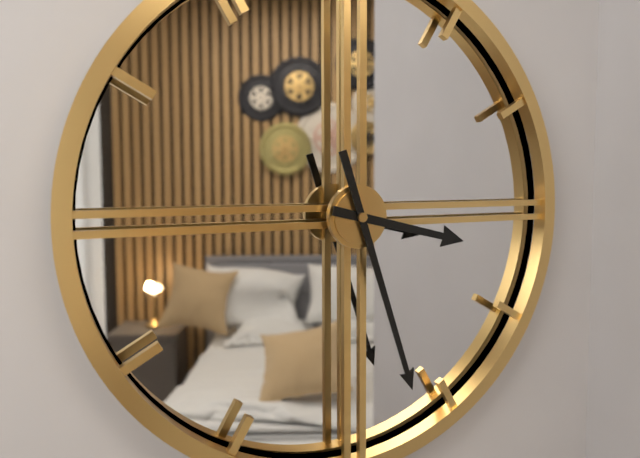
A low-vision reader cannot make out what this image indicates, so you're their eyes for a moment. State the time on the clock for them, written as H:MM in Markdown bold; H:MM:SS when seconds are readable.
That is **3:27**
